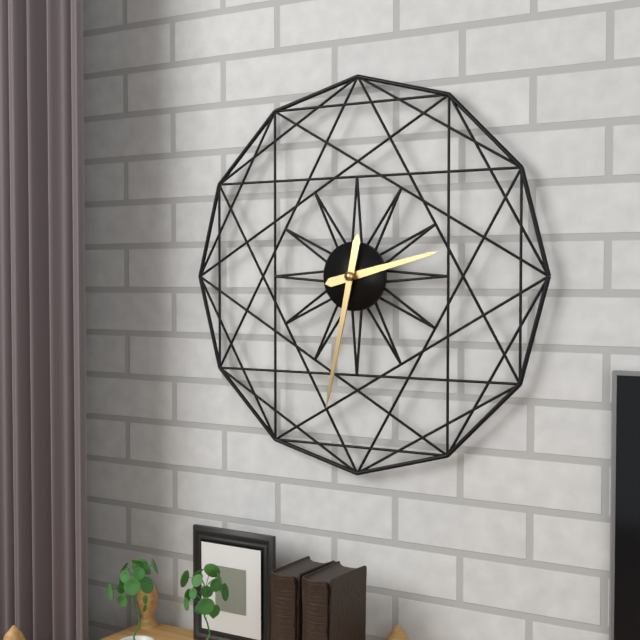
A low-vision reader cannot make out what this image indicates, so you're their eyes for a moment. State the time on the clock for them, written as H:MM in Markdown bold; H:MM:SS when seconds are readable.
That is **2:32**
